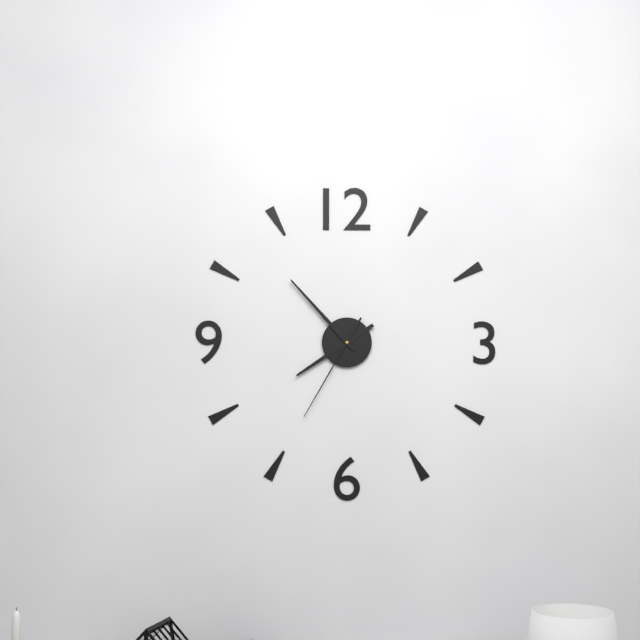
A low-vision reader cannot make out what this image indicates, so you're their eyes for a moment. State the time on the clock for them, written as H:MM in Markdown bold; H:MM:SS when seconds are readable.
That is **7:53:35**
